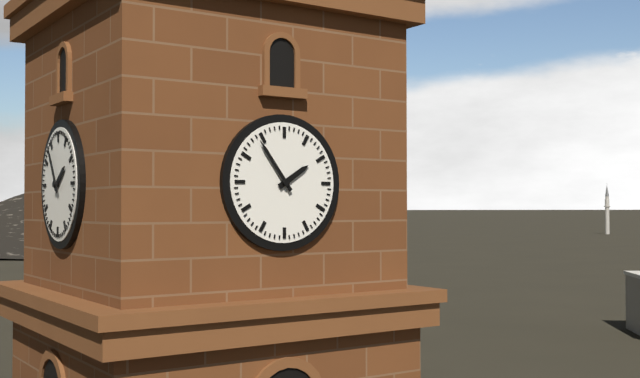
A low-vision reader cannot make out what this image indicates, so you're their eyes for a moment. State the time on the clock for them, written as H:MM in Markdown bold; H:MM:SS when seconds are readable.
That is **1:54**
